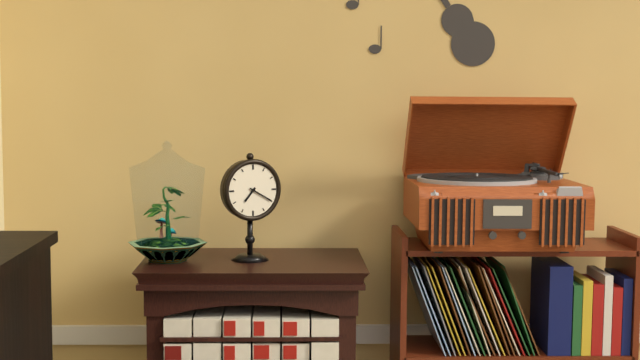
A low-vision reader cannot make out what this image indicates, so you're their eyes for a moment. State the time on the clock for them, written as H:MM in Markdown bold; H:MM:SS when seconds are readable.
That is **7:20**
